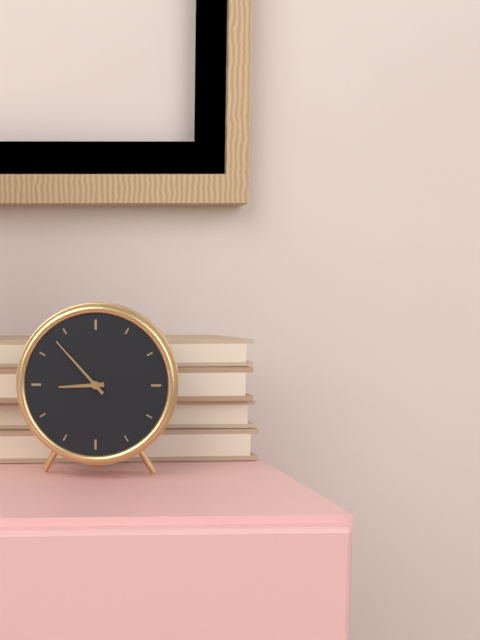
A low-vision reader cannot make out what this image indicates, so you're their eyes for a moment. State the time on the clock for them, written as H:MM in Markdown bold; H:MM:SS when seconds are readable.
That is **8:53**
